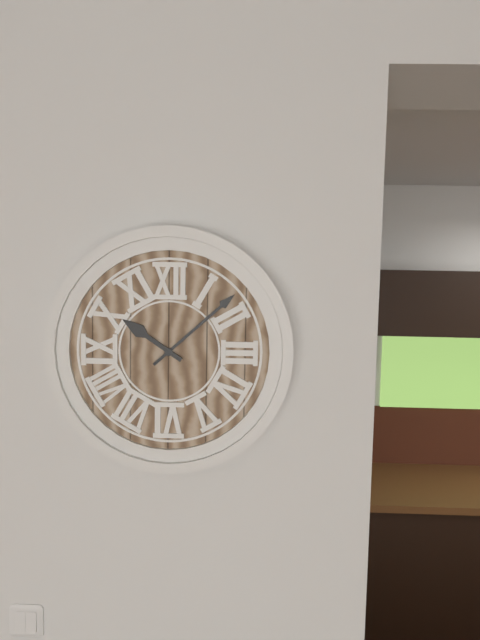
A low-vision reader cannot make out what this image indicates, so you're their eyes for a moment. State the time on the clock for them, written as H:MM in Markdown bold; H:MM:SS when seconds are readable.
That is **10:08**
